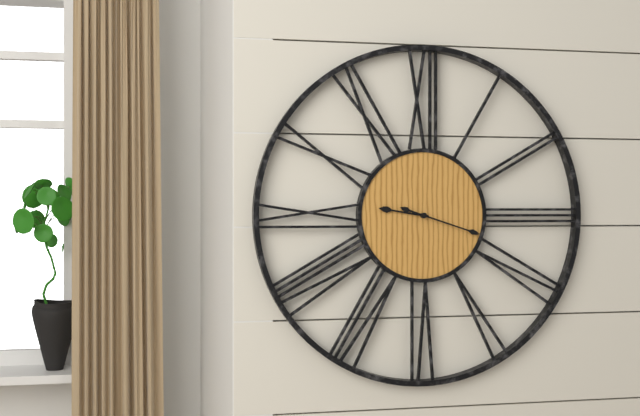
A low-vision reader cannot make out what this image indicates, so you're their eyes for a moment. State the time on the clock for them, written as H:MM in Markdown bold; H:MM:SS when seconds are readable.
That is **9:18**
